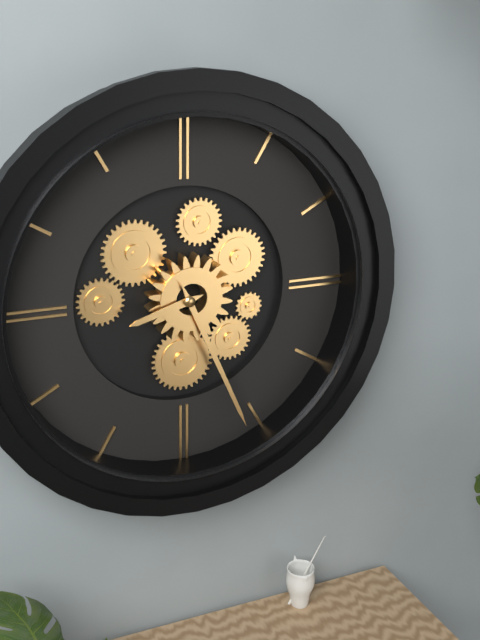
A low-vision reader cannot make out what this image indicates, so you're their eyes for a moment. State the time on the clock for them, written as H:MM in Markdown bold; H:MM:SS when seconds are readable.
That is **8:26**
